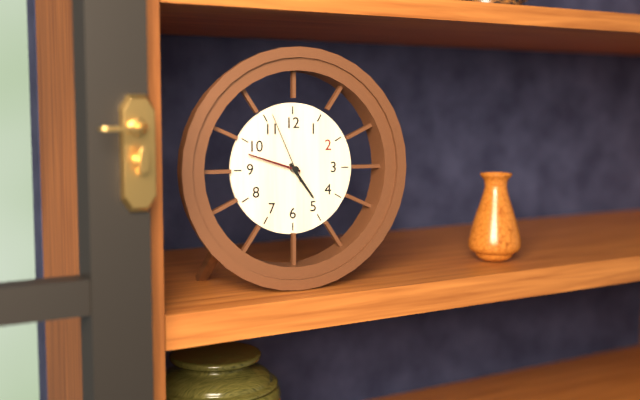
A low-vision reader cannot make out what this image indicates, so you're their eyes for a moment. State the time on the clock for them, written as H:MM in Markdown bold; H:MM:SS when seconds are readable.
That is **4:48:56**
